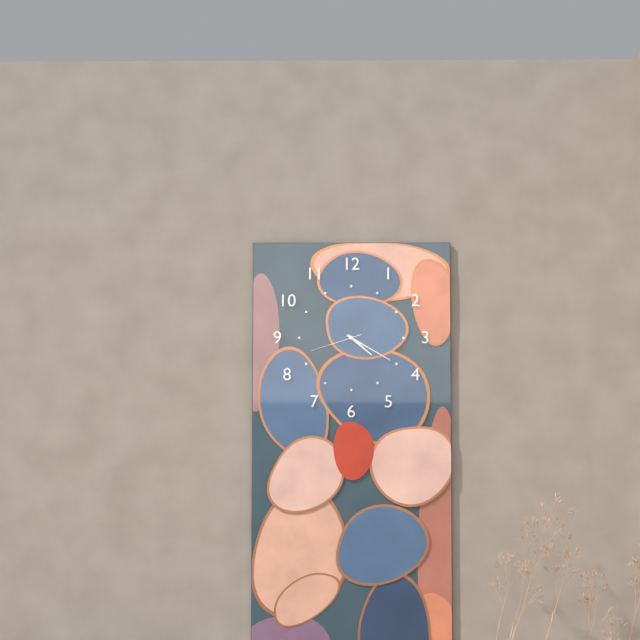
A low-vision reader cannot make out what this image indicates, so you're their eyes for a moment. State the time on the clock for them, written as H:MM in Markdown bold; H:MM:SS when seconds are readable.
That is **4:20:42**
